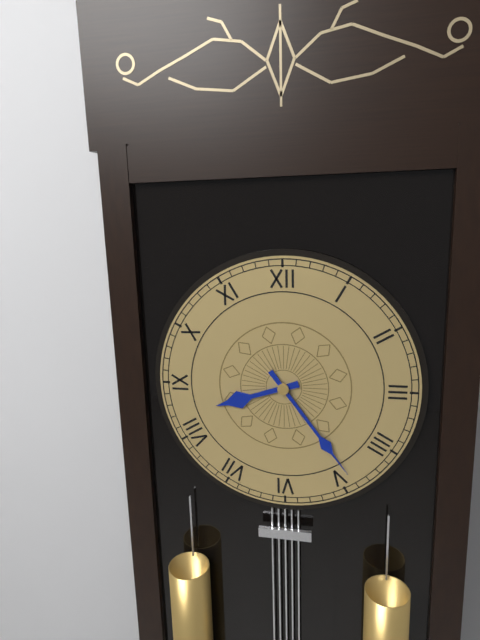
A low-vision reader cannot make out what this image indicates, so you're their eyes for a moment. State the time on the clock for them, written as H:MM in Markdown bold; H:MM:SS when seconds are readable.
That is **8:24**
